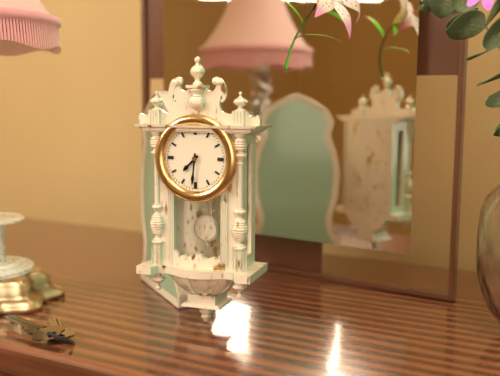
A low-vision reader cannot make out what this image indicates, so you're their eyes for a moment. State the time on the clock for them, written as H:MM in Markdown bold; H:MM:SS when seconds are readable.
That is **7:31**
